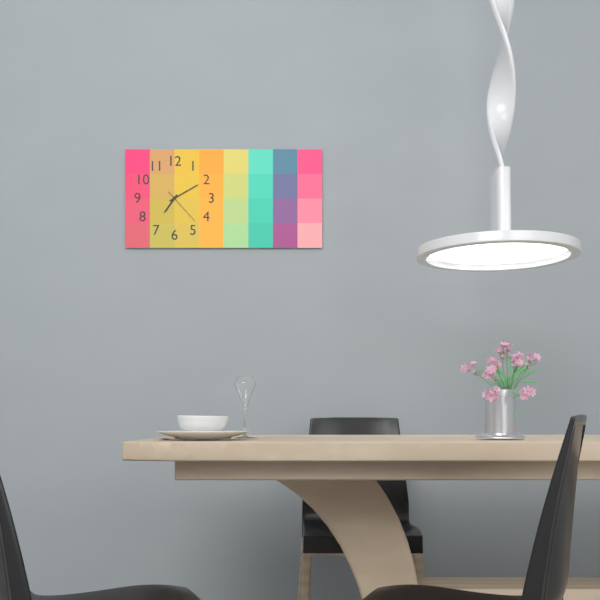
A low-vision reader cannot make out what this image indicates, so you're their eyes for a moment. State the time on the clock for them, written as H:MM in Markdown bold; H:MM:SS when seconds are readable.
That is **7:10**
